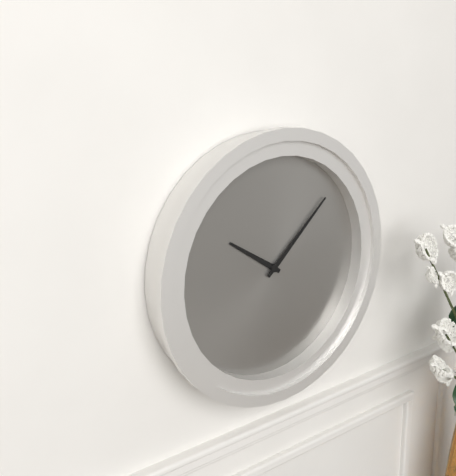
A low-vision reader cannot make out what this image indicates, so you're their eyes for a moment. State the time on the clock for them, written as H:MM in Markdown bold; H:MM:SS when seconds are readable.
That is **10:08**
